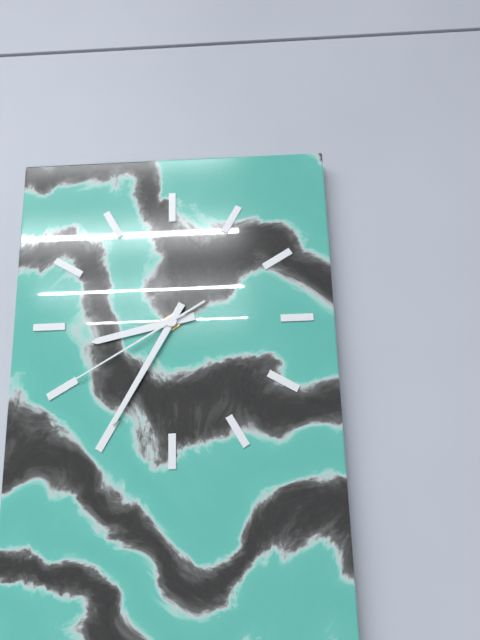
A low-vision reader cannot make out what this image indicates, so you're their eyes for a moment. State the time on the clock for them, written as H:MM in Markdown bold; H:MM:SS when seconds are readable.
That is **8:35:40**
